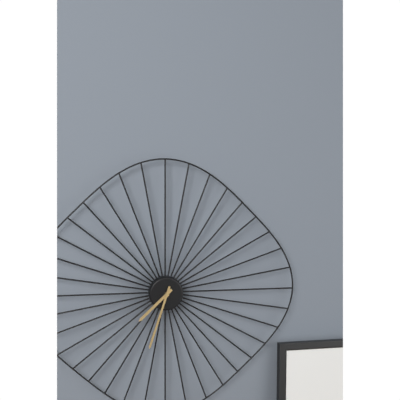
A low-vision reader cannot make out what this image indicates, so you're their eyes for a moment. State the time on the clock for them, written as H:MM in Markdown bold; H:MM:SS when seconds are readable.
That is **7:33**
